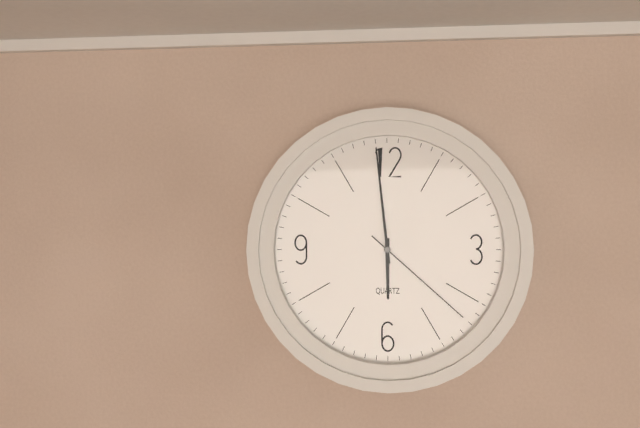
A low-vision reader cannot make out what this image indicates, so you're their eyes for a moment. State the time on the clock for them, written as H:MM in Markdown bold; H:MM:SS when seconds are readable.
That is **5:59:22**
